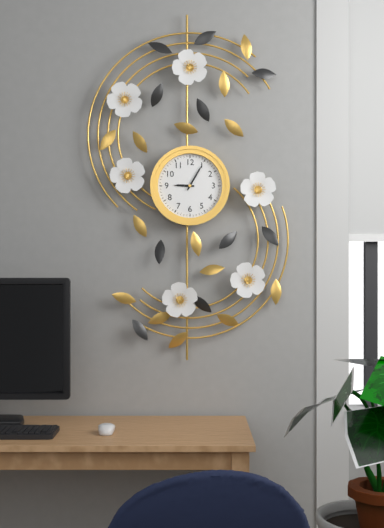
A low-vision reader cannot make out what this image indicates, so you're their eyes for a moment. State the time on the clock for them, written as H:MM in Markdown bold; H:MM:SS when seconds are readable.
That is **9:05**
